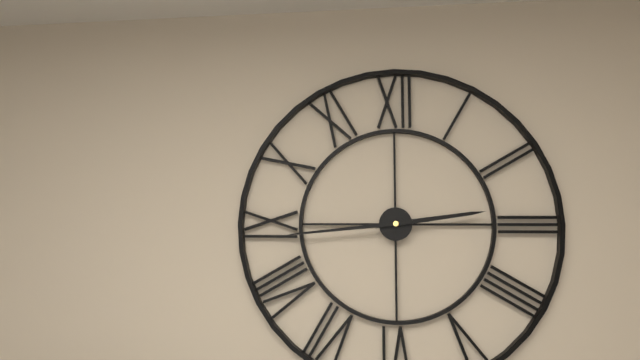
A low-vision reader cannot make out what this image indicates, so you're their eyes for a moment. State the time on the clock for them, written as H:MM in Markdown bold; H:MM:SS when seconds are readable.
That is **2:44**
